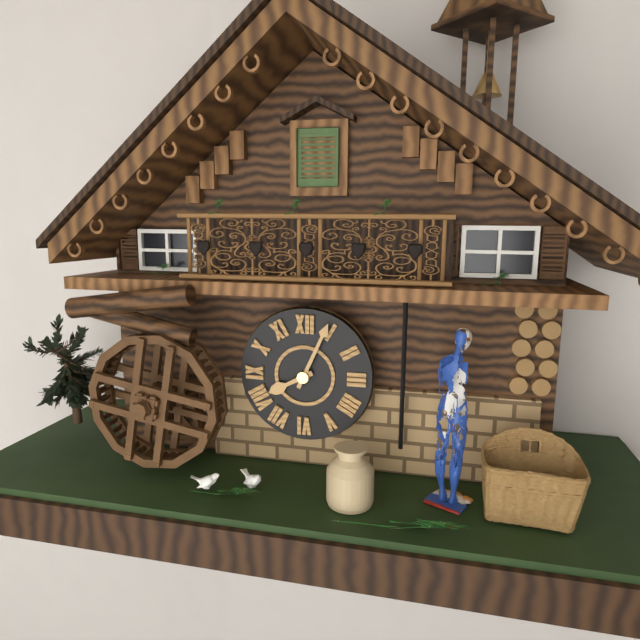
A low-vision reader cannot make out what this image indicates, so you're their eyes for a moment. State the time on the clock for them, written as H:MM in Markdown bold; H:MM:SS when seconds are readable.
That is **8:04**
